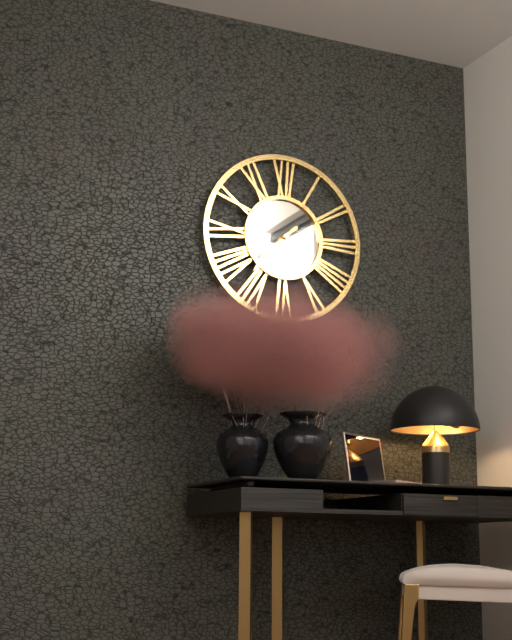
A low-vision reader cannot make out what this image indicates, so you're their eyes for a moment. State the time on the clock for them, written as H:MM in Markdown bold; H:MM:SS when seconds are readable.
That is **7:37**
